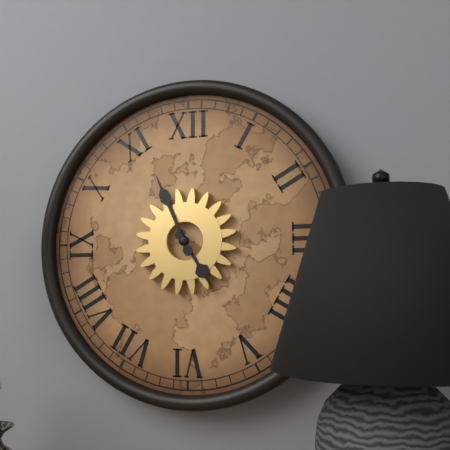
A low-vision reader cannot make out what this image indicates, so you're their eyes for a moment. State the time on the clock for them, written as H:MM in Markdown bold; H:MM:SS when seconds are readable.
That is **4:56**
